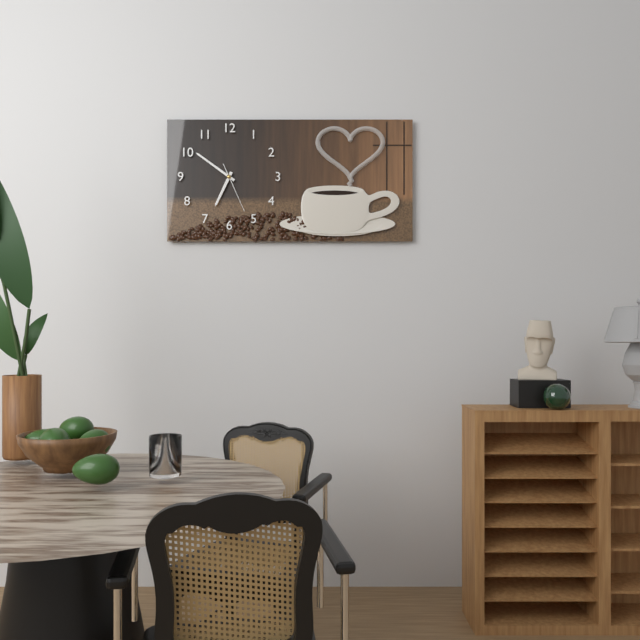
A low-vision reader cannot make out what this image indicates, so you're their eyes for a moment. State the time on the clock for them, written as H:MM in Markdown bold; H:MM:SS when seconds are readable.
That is **6:51**
